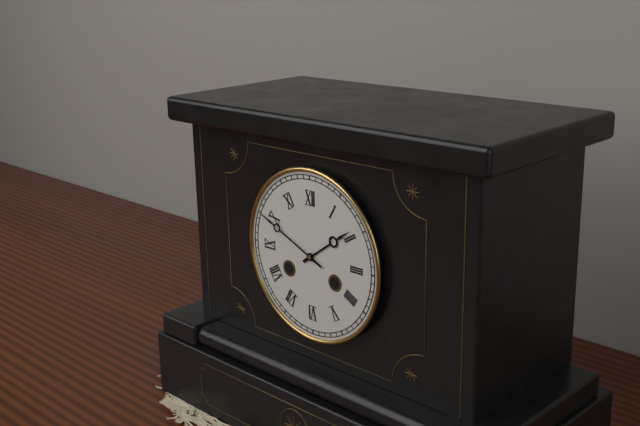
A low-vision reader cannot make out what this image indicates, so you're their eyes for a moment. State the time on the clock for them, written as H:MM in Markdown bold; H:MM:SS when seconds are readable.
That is **1:49**
